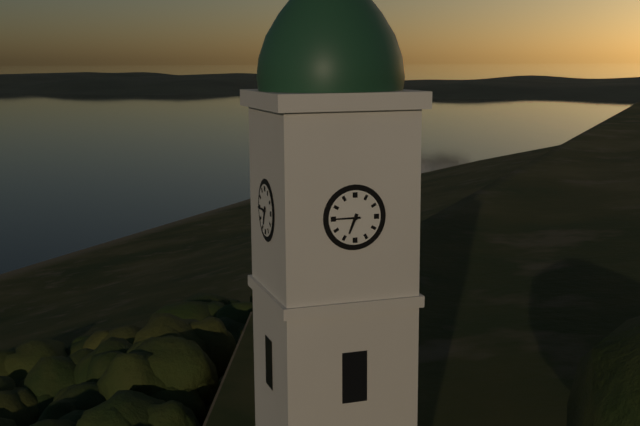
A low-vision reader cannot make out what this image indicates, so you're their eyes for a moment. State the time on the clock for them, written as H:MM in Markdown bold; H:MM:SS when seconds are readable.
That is **6:45**
